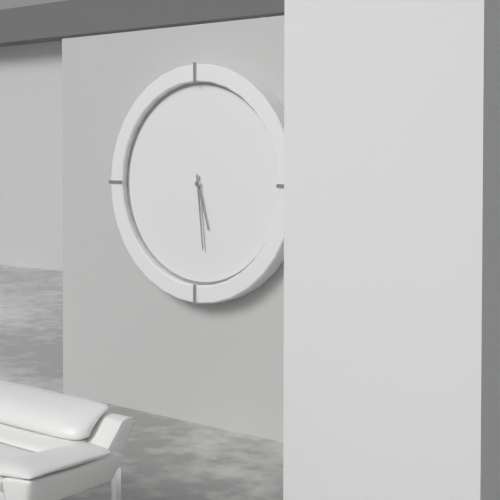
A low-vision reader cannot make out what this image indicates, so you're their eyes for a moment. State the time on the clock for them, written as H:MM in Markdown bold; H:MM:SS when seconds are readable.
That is **5:29**
